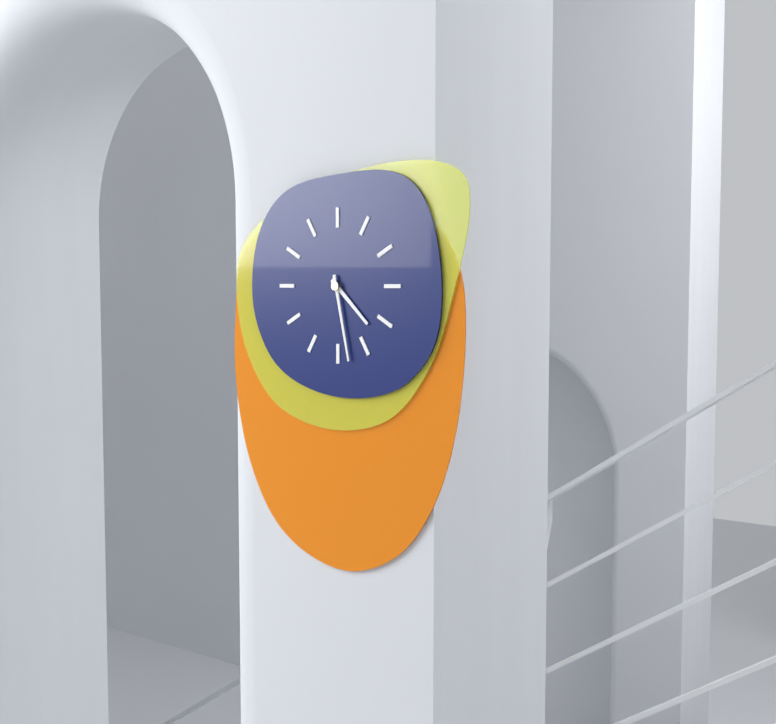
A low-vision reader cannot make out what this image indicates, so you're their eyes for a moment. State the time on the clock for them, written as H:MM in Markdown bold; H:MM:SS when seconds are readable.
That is **4:28**
